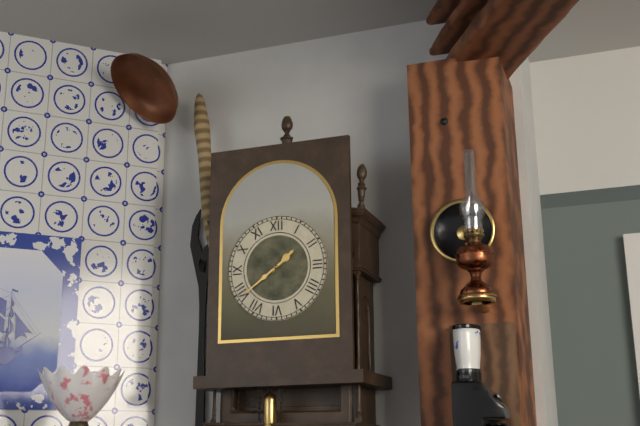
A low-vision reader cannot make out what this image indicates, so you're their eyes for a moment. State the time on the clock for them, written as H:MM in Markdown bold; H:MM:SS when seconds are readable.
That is **1:39**
